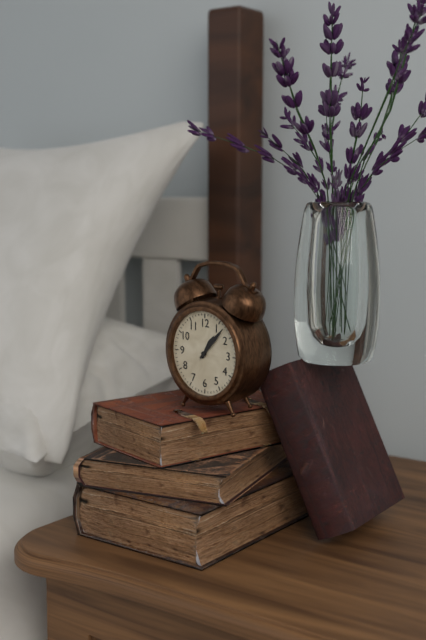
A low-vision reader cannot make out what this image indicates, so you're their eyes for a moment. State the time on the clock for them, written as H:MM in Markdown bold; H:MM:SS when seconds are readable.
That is **1:07**
